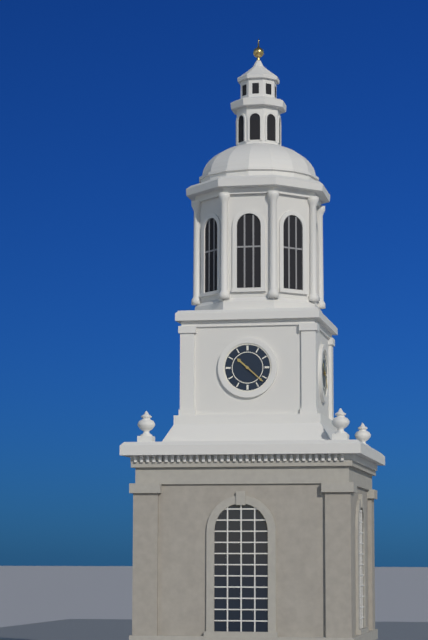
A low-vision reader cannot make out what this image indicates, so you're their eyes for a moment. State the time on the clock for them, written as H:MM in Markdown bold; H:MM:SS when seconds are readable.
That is **10:22**
